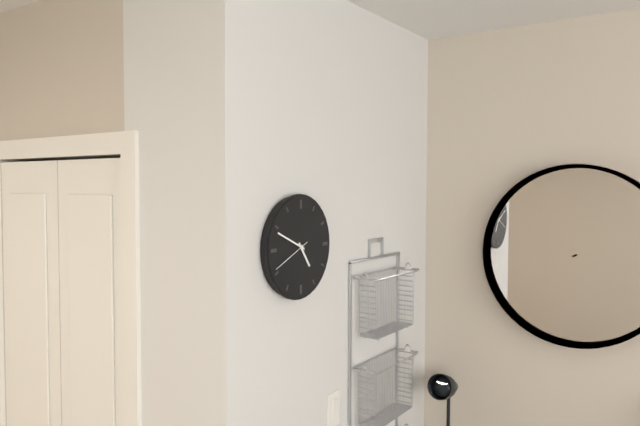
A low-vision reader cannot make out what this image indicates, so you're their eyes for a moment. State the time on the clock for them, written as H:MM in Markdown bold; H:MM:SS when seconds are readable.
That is **4:49**
